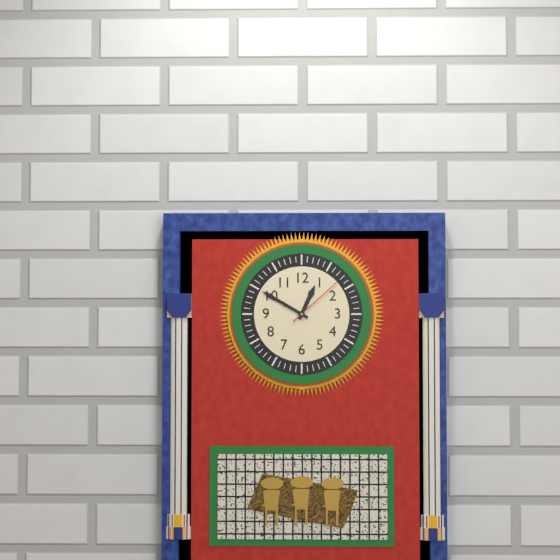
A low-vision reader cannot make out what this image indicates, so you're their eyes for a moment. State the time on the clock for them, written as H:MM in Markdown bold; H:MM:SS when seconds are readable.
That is **12:50:08**
